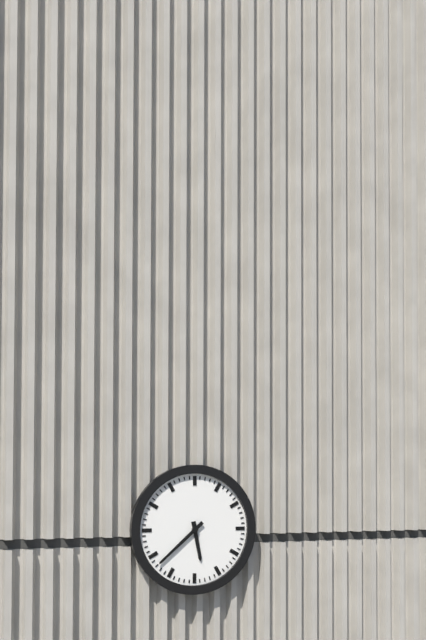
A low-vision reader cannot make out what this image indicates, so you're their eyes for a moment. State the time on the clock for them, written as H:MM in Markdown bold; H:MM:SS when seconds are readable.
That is **5:38**
